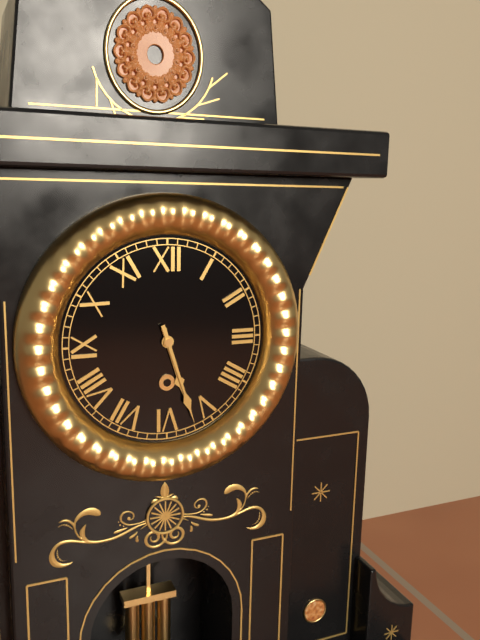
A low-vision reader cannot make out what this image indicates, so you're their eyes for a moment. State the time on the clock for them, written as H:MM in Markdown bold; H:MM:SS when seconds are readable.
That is **5:27**
